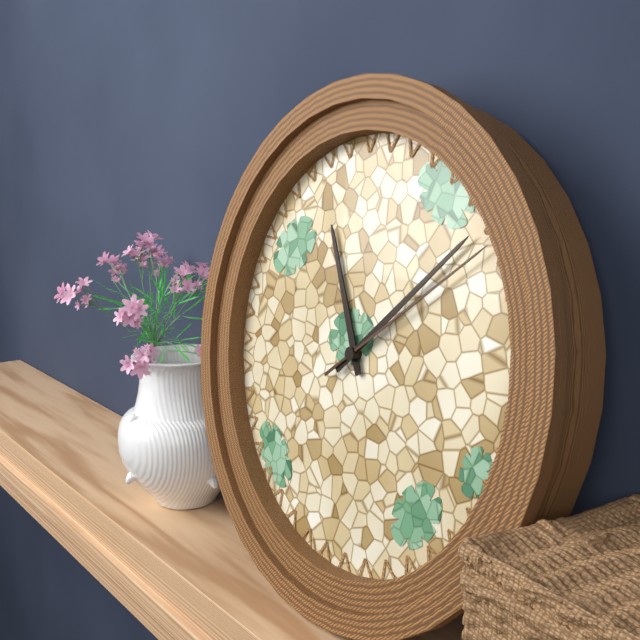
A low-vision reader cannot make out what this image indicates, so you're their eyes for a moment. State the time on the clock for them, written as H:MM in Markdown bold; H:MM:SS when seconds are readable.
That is **11:08:09**
